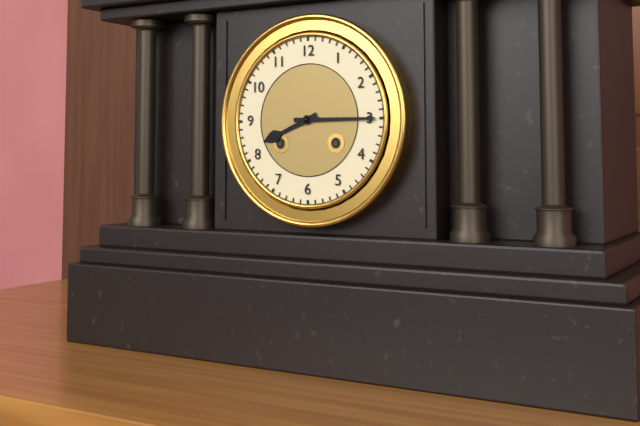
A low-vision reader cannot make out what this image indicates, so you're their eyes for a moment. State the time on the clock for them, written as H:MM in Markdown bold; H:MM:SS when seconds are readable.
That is **8:15**
